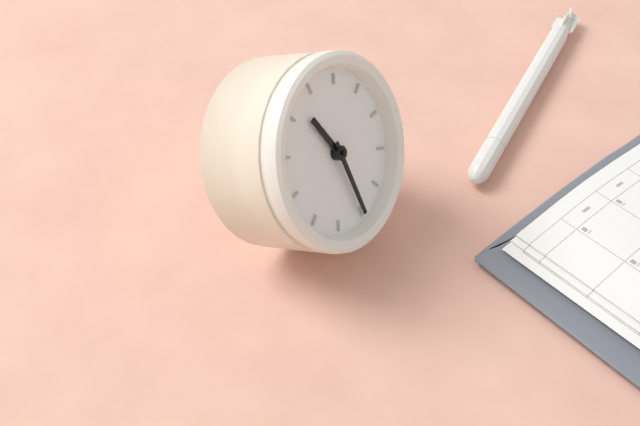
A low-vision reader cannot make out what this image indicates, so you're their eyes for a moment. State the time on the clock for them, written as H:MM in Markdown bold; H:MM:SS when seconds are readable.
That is **10:25**
